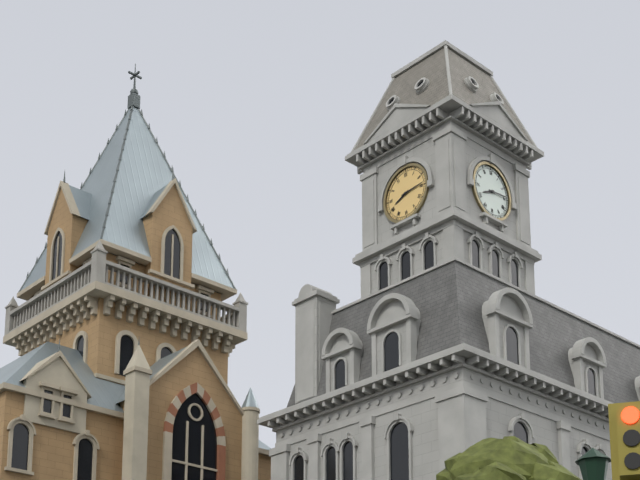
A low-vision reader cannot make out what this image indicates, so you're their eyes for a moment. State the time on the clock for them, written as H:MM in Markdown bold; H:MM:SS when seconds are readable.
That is **8:14**
